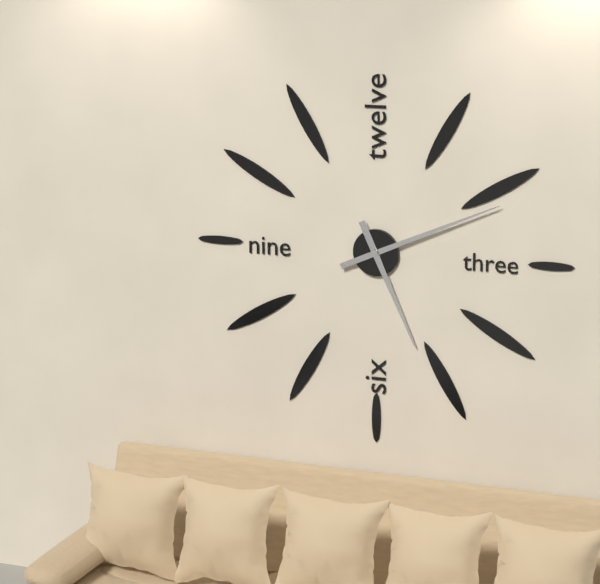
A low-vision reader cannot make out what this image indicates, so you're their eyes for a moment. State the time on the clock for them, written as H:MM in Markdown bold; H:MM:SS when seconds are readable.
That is **5:11**
